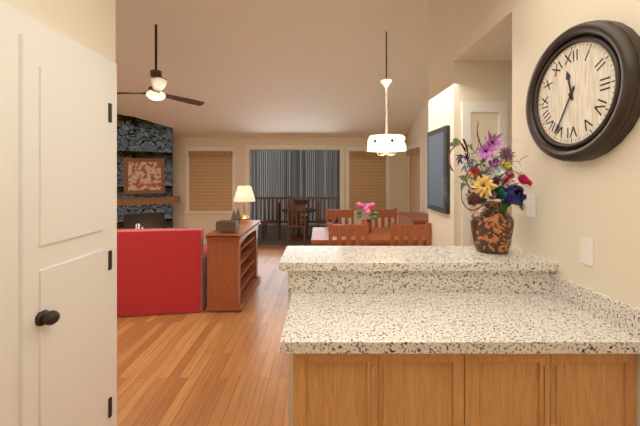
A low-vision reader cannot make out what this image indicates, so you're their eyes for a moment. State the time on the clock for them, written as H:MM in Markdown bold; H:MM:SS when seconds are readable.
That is **11:35**
